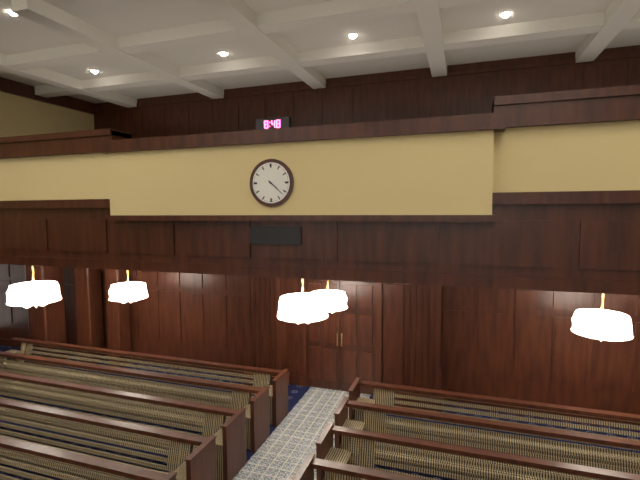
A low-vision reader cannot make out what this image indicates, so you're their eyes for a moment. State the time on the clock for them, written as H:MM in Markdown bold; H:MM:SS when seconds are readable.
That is **4:22**
